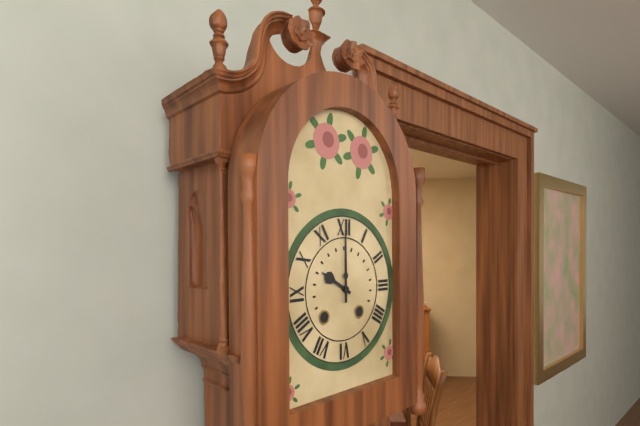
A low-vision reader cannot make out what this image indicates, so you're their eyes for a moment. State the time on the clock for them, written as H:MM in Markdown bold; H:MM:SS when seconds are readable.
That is **10:00**
